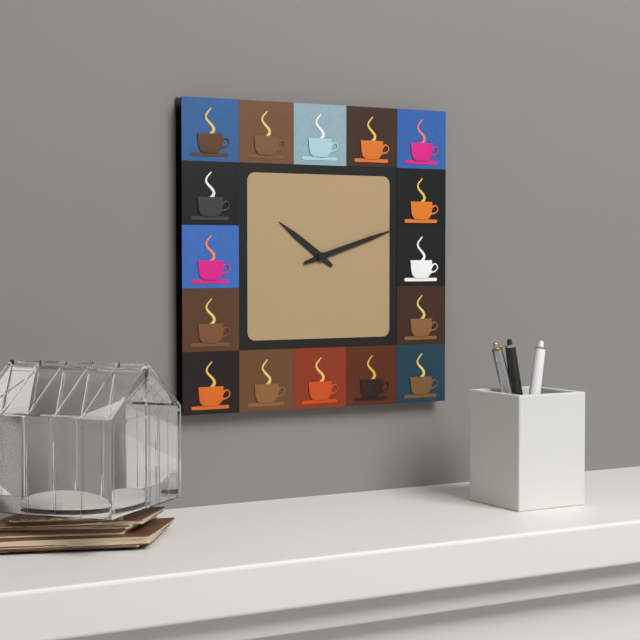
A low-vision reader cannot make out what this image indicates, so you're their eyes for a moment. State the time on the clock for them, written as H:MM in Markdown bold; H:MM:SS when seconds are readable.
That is **10:12**
